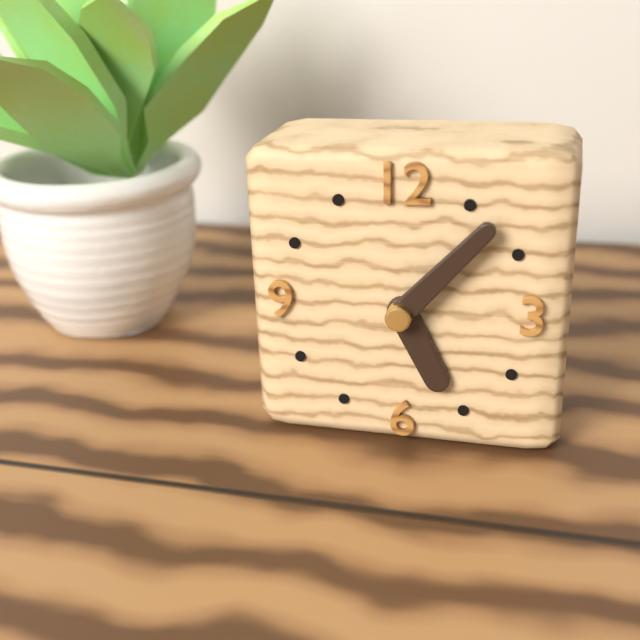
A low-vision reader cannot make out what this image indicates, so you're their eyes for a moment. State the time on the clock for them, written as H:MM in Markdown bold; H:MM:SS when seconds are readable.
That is **5:07**
